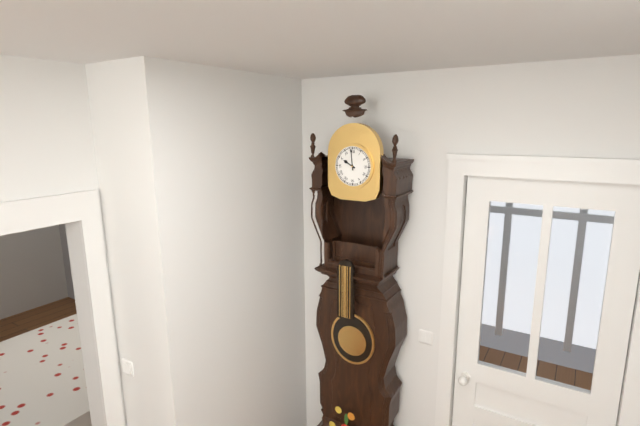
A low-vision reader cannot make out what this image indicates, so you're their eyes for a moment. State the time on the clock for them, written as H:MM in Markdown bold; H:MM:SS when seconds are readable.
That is **9:59**
